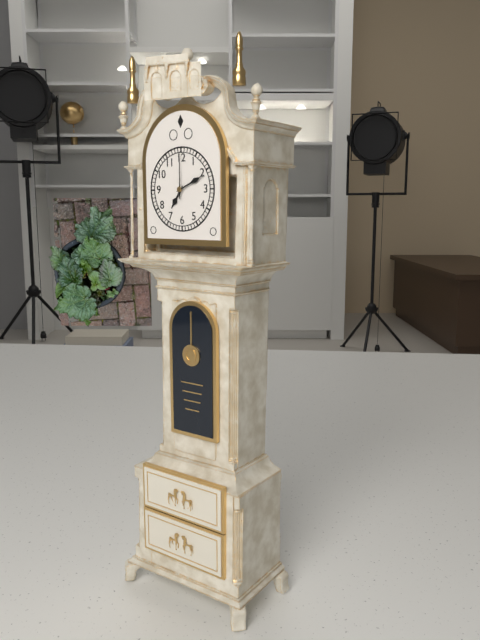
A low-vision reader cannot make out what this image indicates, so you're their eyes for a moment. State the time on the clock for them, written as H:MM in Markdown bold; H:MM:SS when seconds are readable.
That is **7:11**
